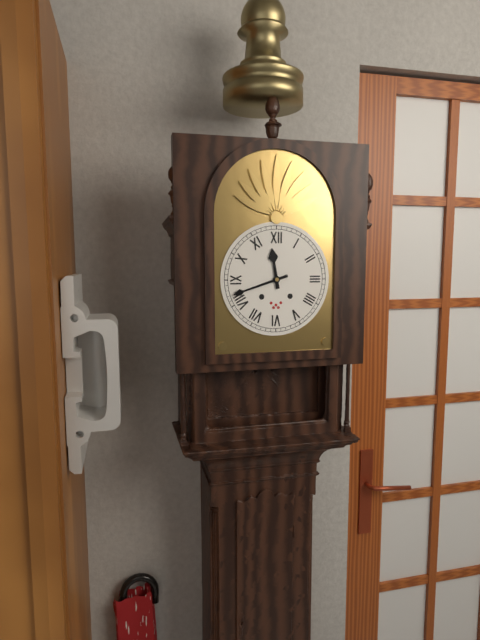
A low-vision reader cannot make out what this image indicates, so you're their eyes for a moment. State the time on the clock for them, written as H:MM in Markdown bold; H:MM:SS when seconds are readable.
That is **11:42**
